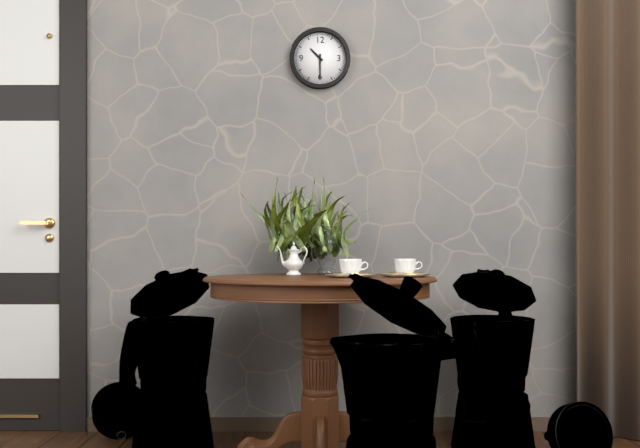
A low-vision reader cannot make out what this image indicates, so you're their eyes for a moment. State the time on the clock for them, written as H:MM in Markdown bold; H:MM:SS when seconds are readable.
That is **10:30**
